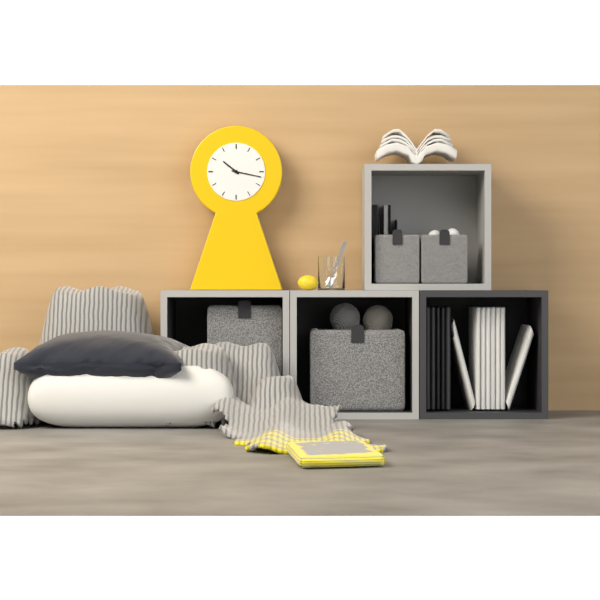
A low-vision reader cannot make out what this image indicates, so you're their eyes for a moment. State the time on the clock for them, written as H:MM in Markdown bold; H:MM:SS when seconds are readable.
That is **10:17**
